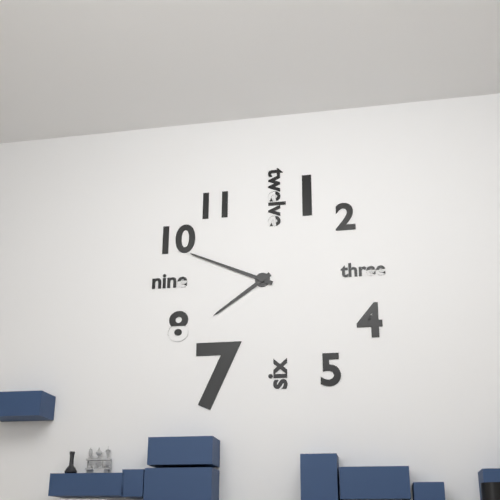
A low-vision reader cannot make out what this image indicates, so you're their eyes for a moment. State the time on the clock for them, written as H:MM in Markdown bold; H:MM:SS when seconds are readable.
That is **7:49**
